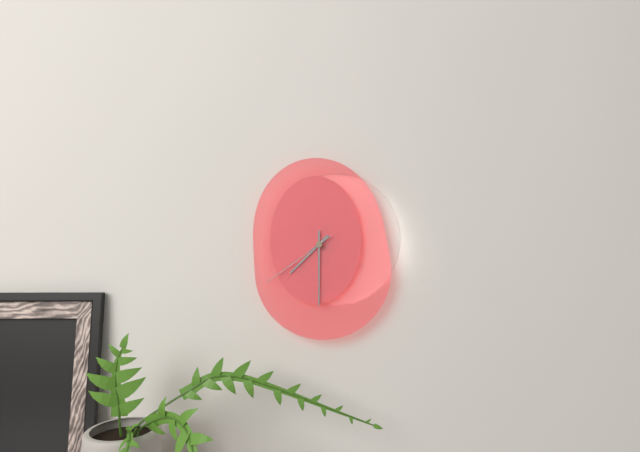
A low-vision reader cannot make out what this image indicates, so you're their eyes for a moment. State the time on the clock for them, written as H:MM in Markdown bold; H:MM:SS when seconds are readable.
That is **7:30:39**
